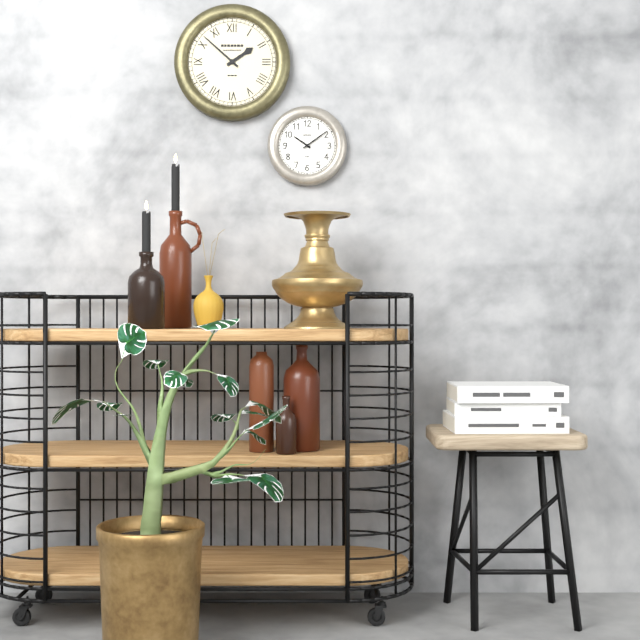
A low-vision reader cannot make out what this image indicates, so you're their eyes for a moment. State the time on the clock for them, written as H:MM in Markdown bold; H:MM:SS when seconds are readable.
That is **1:52**
